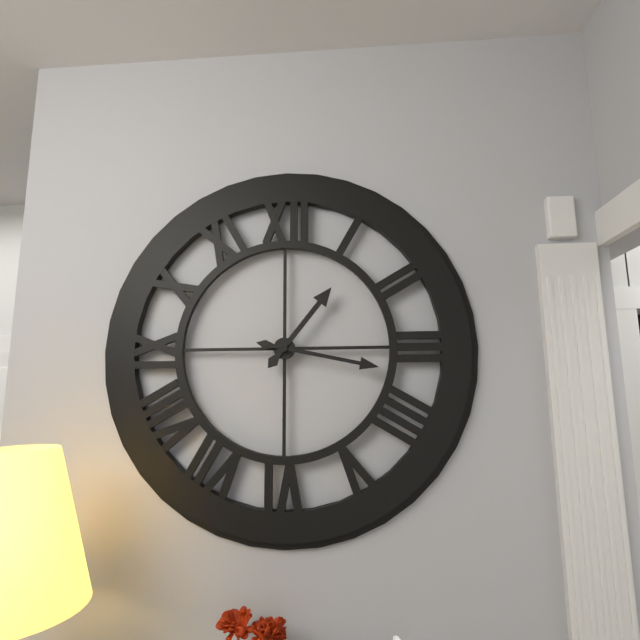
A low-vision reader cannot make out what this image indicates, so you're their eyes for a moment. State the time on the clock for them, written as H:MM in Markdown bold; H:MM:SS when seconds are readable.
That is **1:17**
